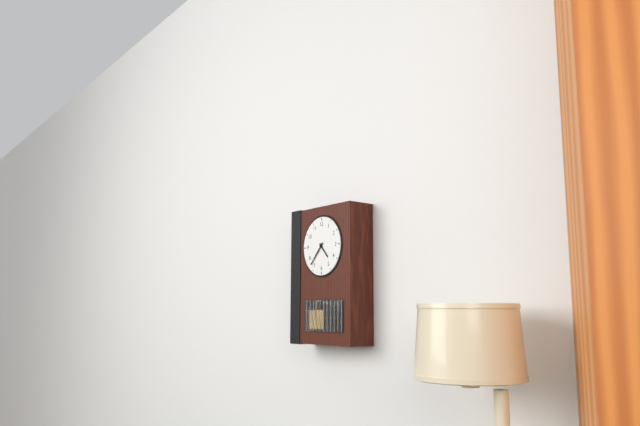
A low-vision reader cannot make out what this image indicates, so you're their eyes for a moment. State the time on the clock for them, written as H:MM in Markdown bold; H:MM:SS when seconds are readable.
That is **4:37**
